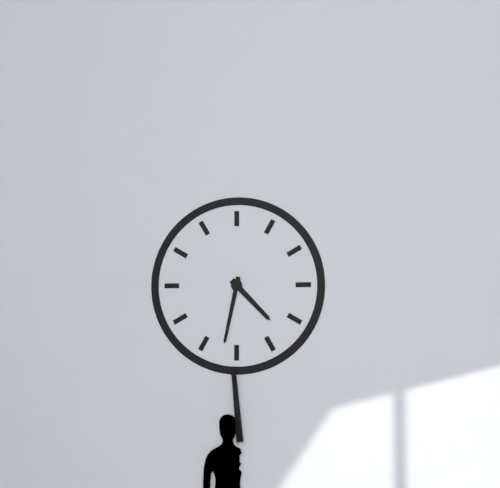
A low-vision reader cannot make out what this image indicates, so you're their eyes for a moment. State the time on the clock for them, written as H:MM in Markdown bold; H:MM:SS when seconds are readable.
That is **4:32**
